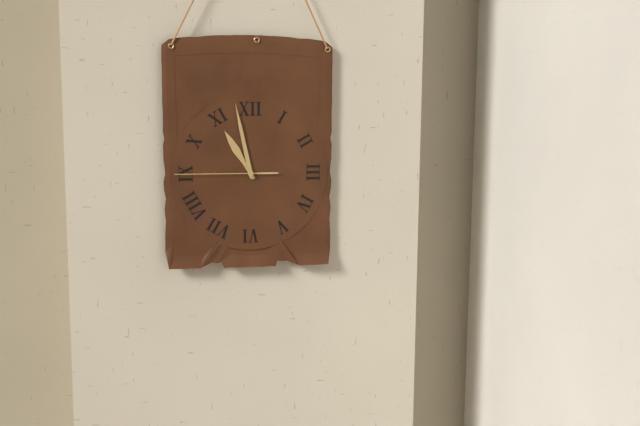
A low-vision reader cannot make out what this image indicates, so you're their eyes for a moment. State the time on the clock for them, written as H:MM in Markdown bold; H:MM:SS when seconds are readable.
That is **10:58:45**
